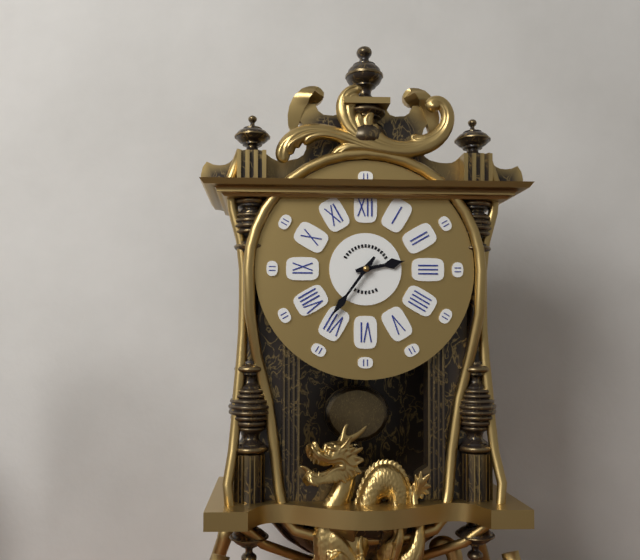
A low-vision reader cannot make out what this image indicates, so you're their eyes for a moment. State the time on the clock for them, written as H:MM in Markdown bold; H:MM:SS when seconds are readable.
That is **2:36**
